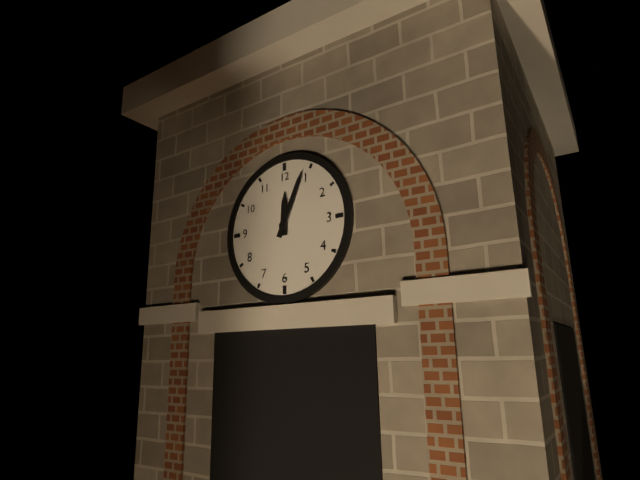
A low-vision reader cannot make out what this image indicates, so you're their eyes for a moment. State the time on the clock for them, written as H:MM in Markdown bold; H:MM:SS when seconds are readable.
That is **12:04**
